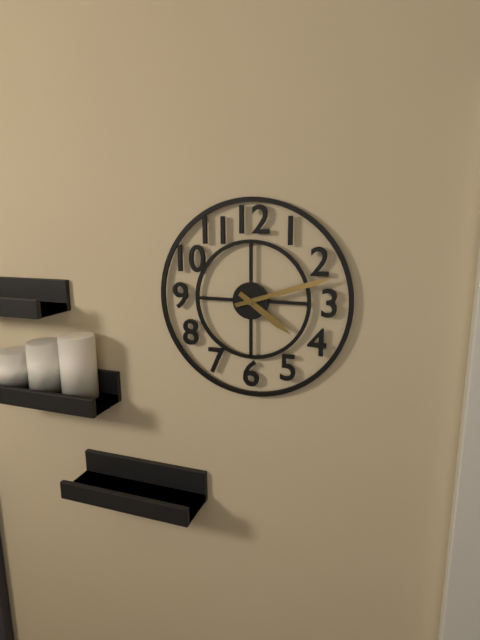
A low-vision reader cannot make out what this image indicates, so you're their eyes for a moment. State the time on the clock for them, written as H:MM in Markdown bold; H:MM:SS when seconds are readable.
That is **4:12**
